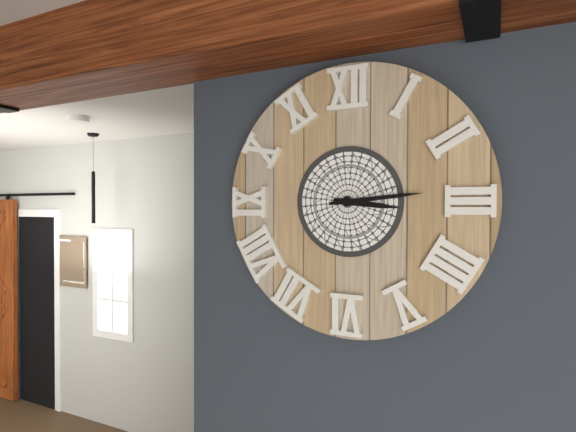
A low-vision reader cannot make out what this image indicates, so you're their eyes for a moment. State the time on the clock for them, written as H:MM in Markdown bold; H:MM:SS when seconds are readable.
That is **3:14**
